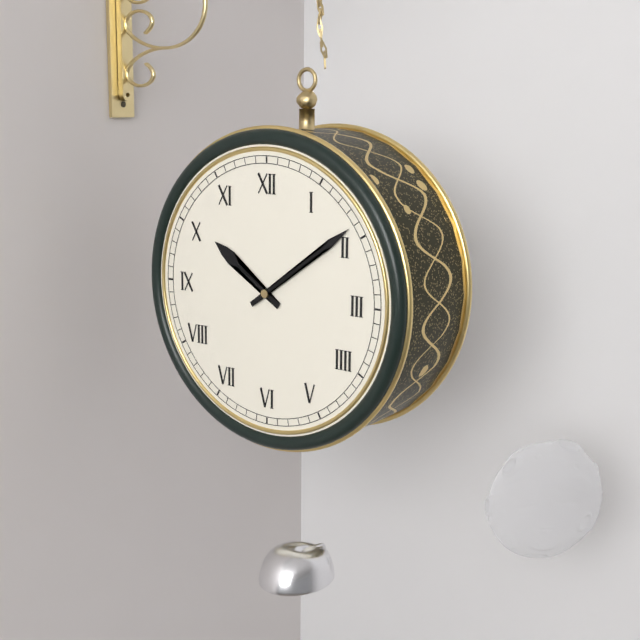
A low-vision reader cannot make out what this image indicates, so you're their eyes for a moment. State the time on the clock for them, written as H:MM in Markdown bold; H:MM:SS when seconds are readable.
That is **10:09**
